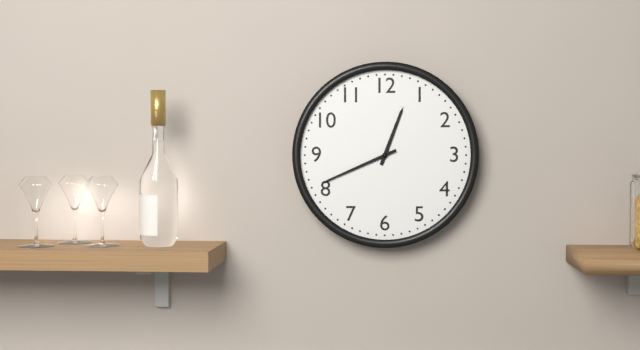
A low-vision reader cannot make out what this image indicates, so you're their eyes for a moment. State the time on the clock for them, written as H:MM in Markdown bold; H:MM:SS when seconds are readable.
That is **12:41**
